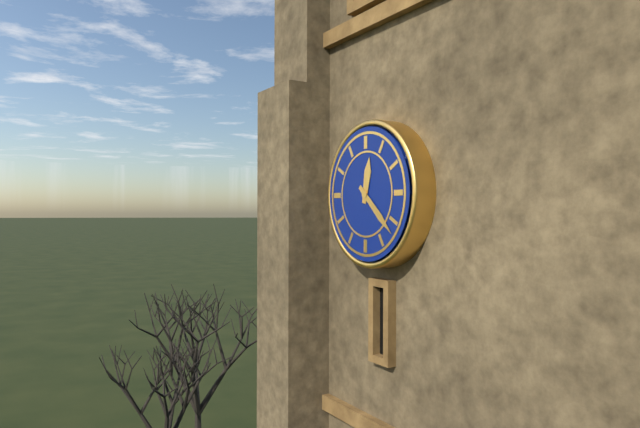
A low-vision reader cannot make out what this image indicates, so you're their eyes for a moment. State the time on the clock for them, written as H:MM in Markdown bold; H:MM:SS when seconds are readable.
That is **12:22**
